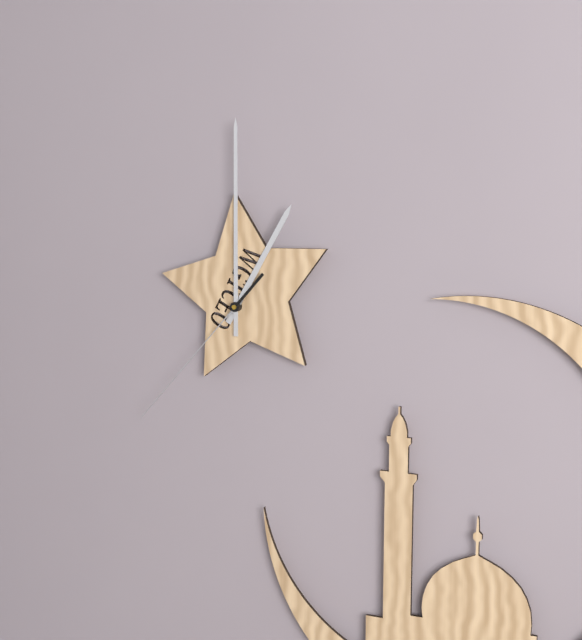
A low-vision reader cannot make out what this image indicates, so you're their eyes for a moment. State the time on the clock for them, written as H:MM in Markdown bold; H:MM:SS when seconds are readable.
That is **1:00:37**
